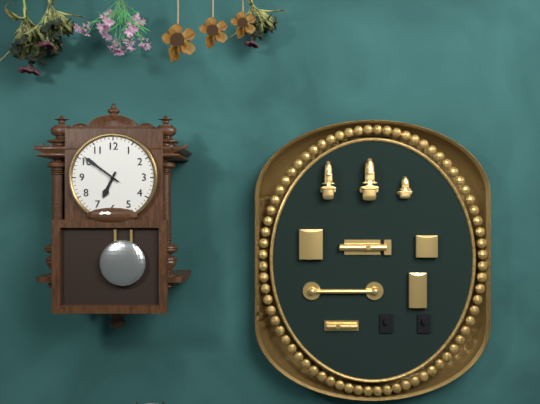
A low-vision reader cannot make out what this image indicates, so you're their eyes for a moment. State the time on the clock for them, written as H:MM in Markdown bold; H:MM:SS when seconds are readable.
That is **6:51**
